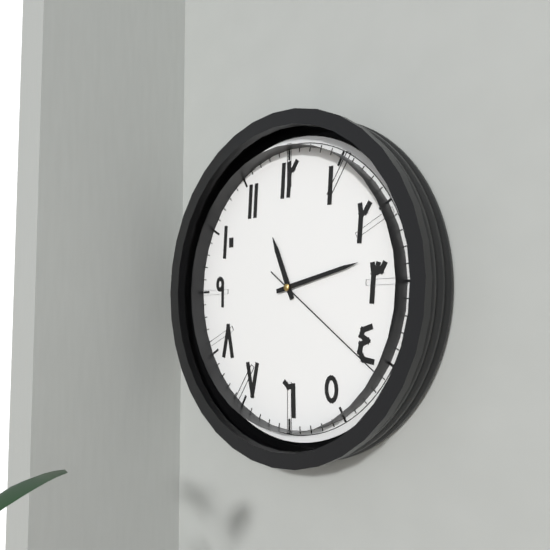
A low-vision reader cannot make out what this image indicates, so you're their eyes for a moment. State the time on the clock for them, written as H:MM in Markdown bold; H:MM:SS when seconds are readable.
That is **11:13:21**
